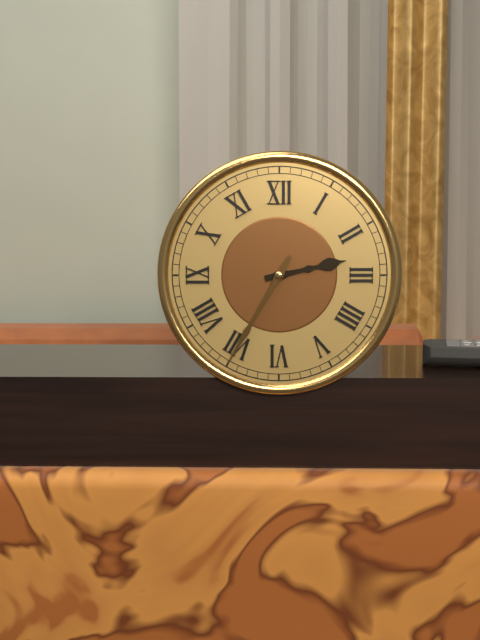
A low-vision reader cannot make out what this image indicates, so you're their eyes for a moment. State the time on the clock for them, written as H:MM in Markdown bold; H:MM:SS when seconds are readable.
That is **2:35**
